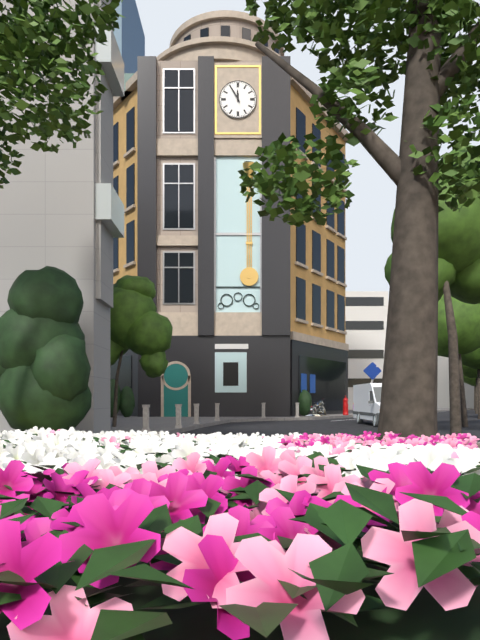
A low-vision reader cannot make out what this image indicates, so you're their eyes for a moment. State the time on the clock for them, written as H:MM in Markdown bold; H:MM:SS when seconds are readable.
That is **11:55**
